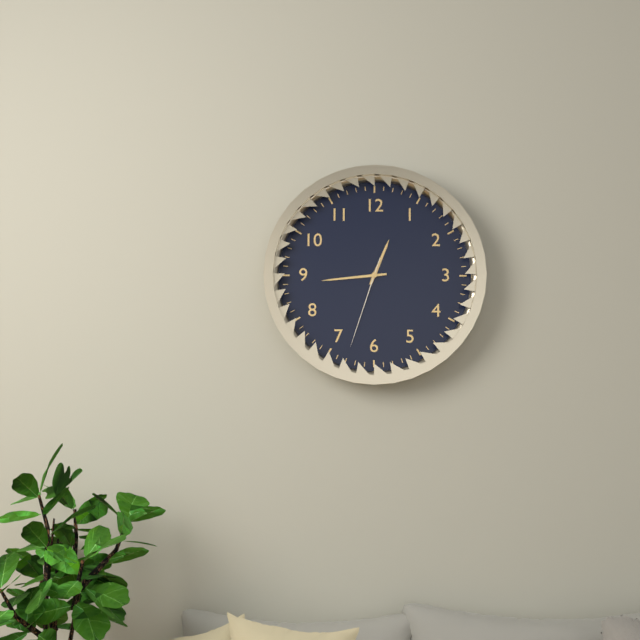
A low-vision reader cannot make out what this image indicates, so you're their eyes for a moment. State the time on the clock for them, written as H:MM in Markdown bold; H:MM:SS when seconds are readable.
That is **12:44:33**
